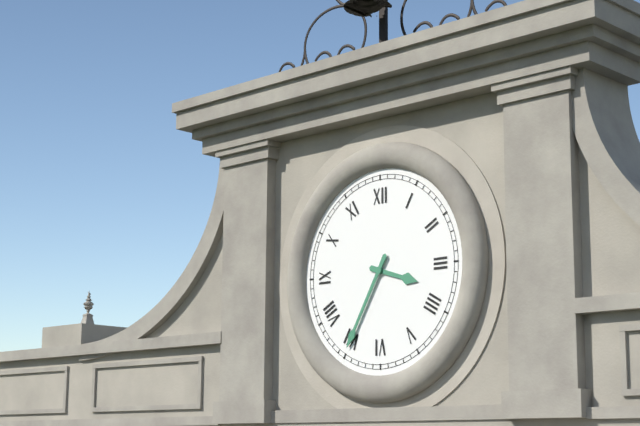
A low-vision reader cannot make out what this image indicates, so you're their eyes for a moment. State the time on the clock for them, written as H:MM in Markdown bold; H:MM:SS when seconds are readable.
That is **3:35**
